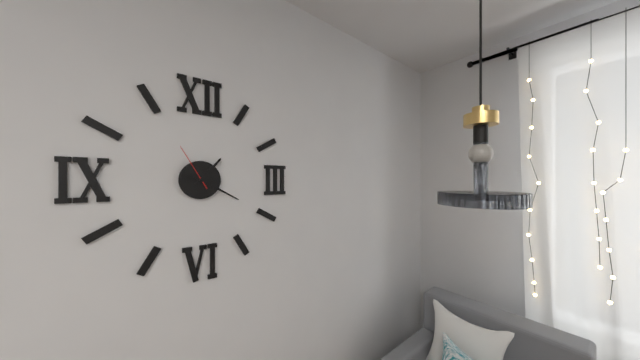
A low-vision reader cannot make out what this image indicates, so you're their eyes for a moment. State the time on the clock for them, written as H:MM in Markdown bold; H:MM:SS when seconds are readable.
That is **1:20:55**
